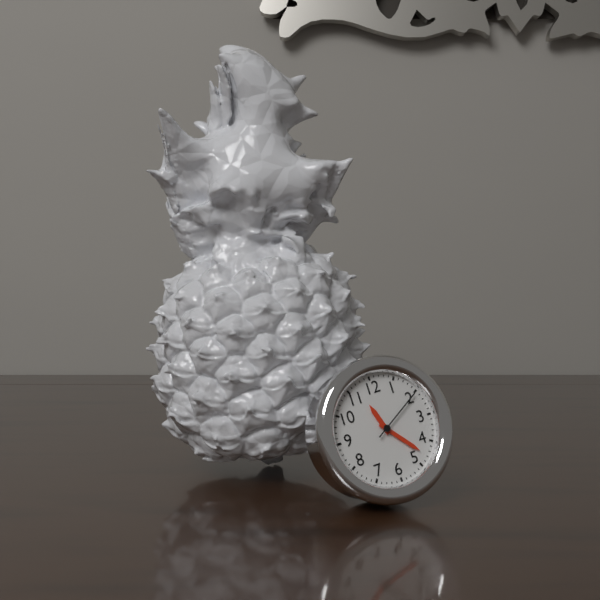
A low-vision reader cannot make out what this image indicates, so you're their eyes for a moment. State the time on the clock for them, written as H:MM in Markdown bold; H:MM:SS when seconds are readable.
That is **11:23:10**
